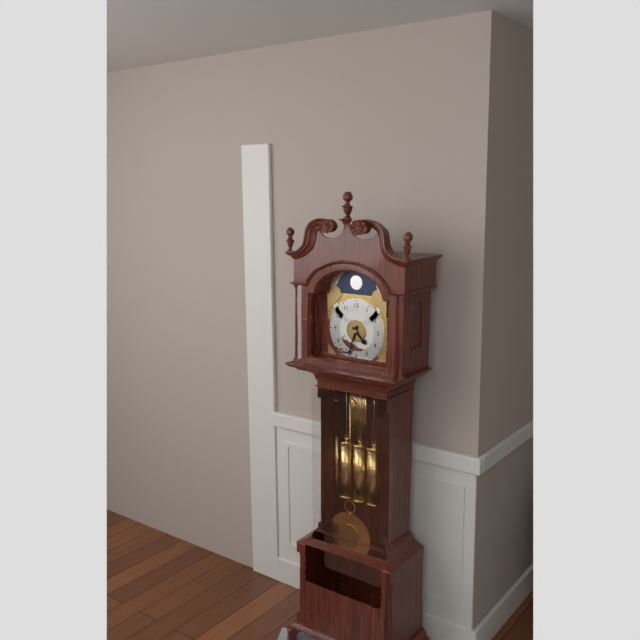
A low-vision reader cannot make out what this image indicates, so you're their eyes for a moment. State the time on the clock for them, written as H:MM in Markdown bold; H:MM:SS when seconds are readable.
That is **4:33**
